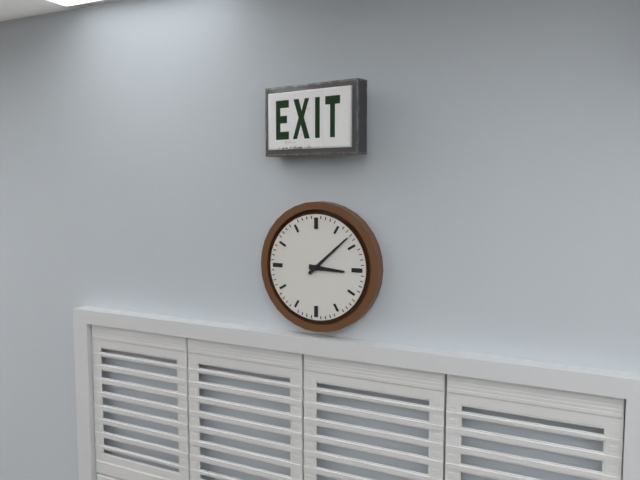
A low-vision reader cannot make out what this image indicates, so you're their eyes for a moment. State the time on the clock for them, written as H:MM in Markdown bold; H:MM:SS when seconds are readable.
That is **3:08**
